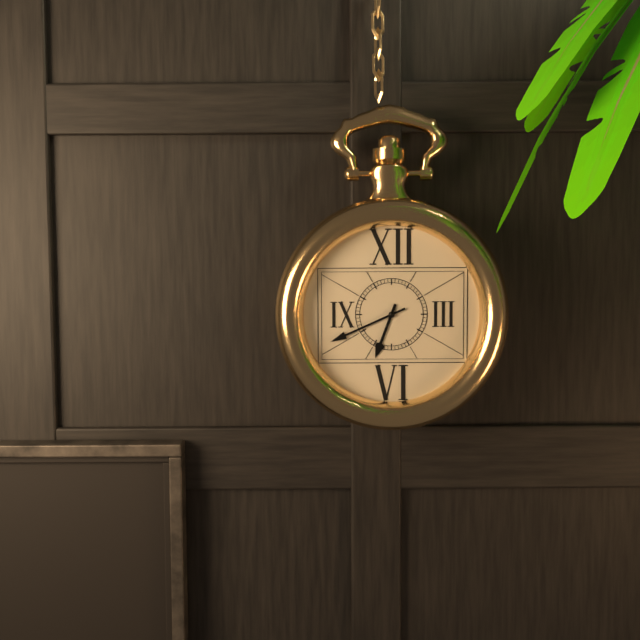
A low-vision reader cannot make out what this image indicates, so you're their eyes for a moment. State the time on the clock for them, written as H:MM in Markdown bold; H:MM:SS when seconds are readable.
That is **6:41**
